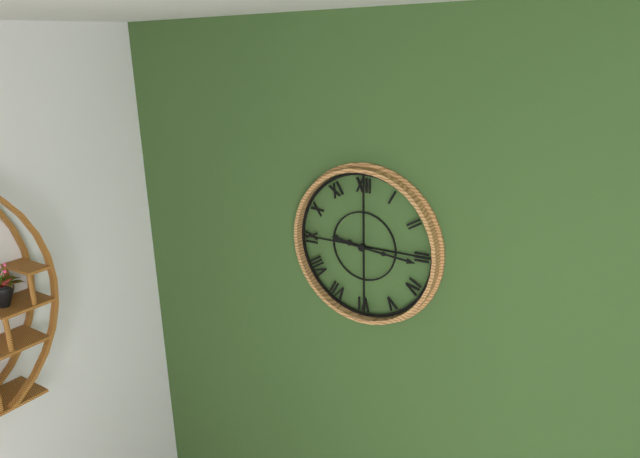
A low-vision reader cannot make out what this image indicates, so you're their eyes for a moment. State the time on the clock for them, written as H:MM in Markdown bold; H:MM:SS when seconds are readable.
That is **9:16**
